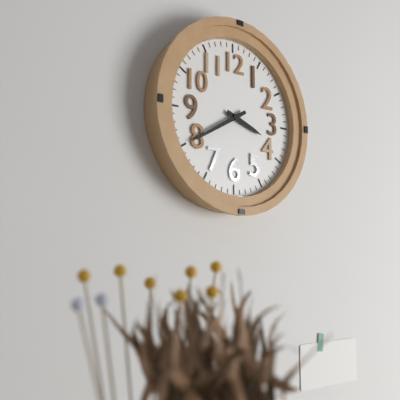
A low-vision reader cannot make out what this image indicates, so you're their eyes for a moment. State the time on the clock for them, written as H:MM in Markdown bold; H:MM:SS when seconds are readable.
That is **3:40**
